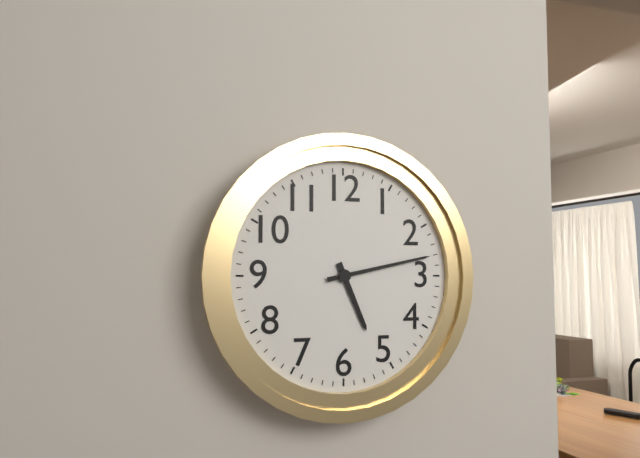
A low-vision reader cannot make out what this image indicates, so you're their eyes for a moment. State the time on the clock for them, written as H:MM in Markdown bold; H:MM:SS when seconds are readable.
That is **5:13**
